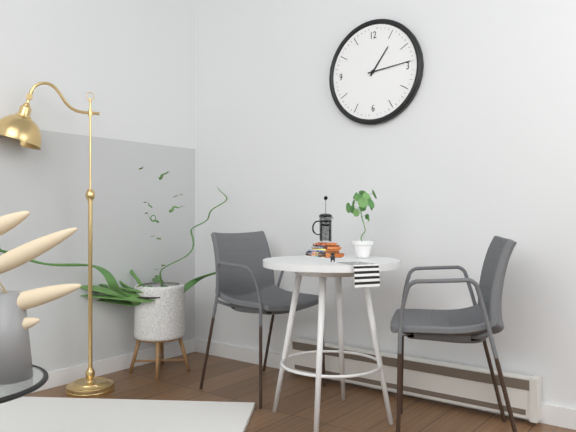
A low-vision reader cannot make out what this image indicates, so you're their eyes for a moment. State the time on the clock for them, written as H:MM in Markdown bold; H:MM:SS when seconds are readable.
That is **1:14**
